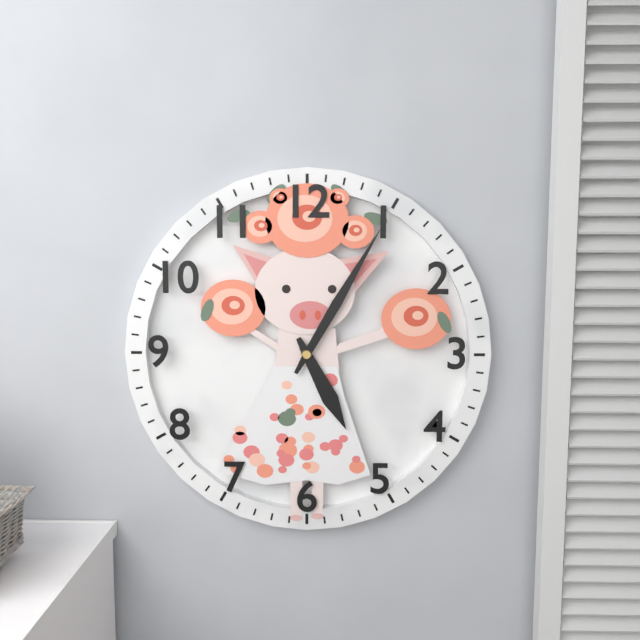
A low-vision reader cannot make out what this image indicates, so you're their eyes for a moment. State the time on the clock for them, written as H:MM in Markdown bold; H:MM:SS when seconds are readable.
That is **5:05**
